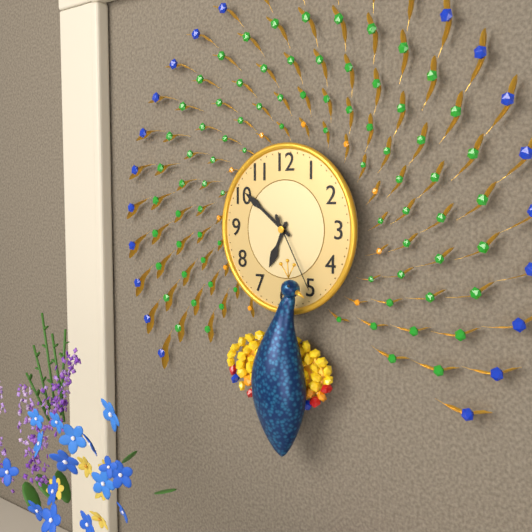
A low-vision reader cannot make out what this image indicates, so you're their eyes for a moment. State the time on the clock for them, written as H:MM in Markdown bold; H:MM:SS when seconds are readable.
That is **6:51:25**
